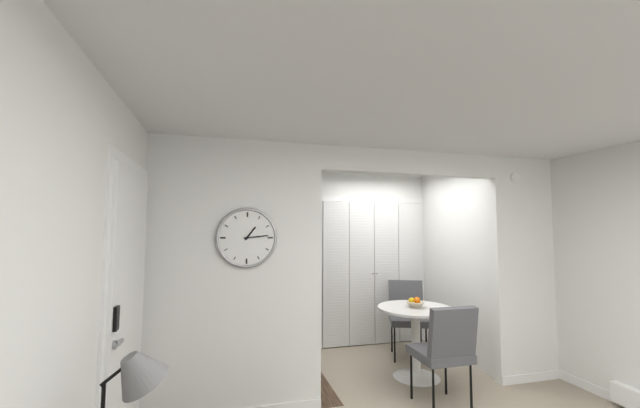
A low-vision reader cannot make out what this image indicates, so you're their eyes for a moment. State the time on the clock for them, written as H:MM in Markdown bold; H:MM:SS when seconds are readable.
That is **1:14**
